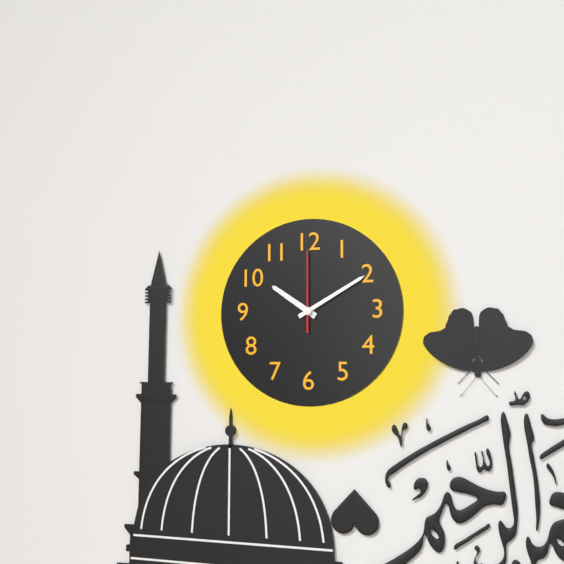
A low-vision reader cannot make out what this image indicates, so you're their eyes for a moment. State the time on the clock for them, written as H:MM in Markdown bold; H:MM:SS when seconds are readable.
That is **10:10:00**
